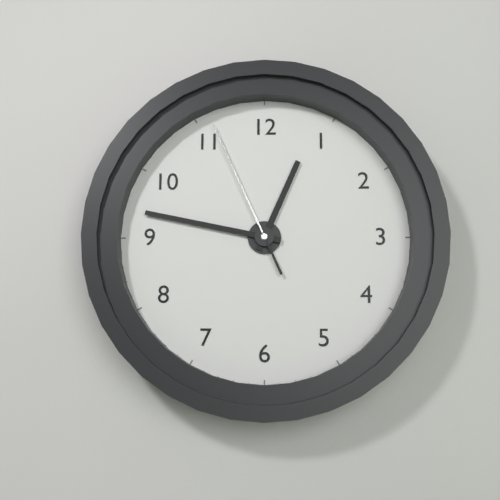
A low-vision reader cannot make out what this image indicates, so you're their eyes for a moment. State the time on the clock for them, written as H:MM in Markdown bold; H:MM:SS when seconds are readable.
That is **12:47:56**
